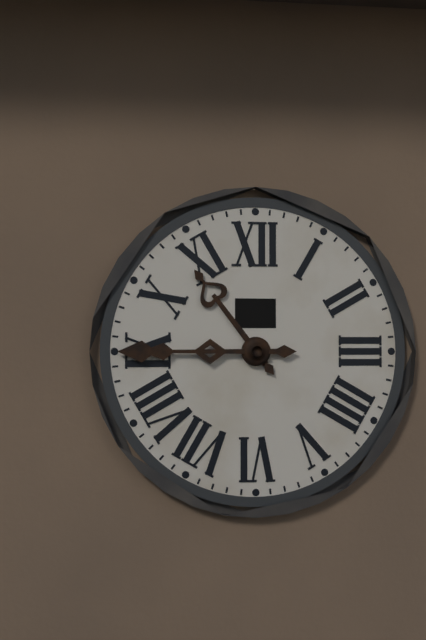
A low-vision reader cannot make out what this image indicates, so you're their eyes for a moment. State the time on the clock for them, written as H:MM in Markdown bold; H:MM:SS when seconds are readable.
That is **10:45**
